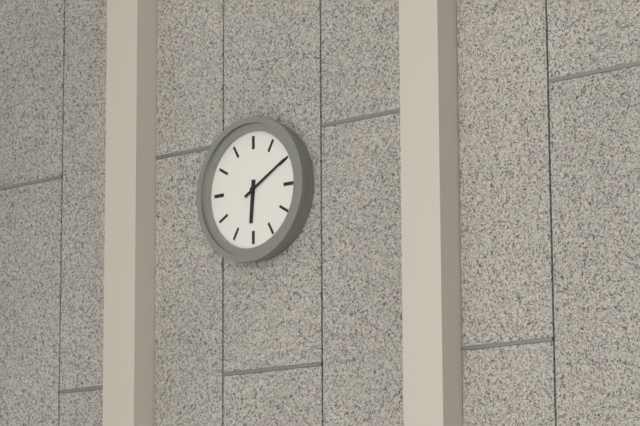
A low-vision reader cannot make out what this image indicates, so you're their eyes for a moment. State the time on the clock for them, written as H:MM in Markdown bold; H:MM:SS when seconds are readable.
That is **6:10**
